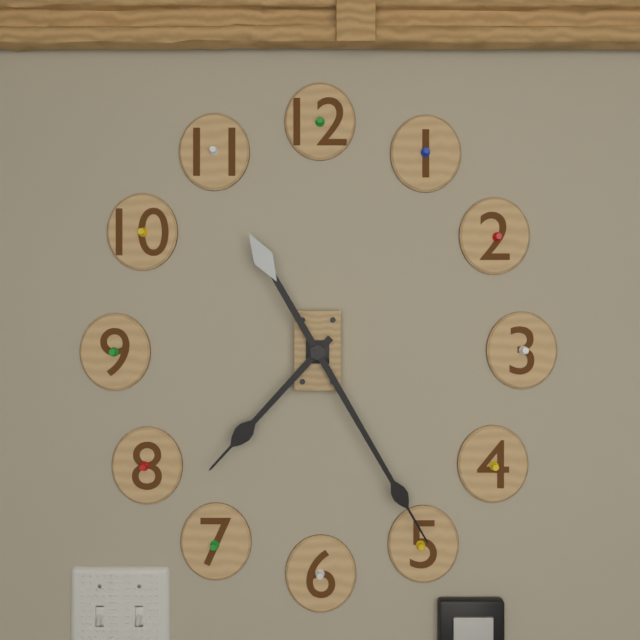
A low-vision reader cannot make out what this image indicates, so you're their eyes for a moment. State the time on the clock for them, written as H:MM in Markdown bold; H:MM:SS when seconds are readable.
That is **7:25**
